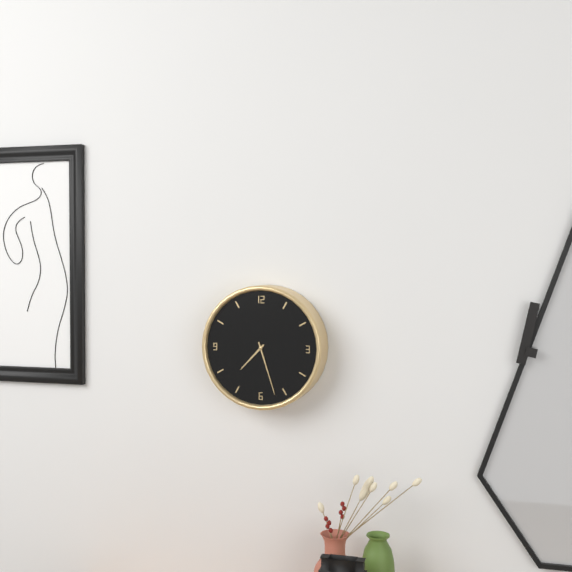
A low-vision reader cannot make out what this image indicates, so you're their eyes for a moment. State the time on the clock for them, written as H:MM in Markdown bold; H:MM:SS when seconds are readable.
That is **7:27**
